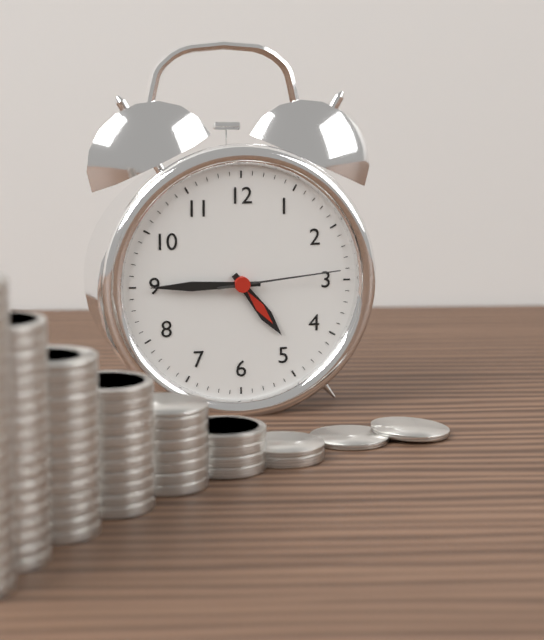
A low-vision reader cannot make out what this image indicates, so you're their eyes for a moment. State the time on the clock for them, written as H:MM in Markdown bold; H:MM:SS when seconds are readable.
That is **4:45:14**
